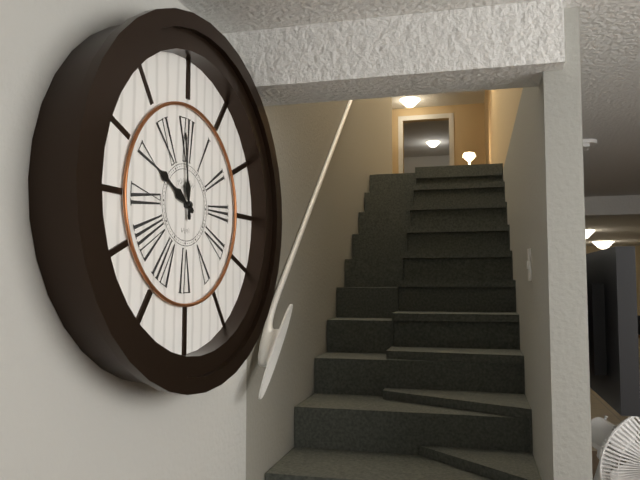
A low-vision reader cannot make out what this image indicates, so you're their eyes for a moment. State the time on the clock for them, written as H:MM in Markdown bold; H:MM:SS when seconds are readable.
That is **9:59**
